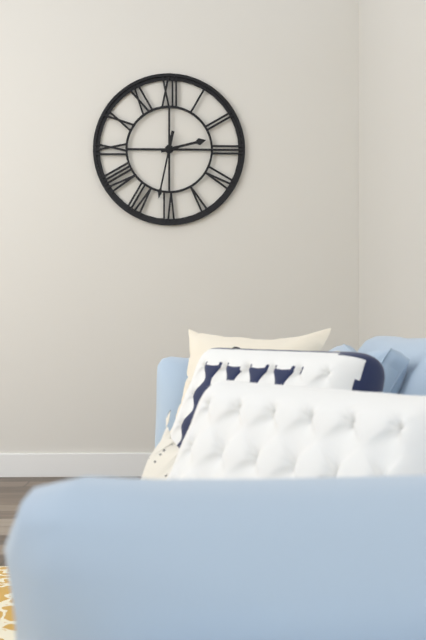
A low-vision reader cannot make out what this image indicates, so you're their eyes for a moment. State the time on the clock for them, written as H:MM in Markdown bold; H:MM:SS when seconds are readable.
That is **2:32**
